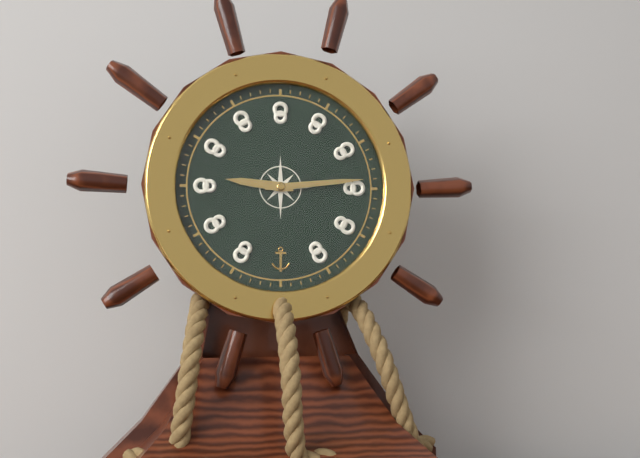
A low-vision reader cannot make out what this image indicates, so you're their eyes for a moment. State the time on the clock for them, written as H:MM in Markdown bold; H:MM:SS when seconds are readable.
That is **9:14**
